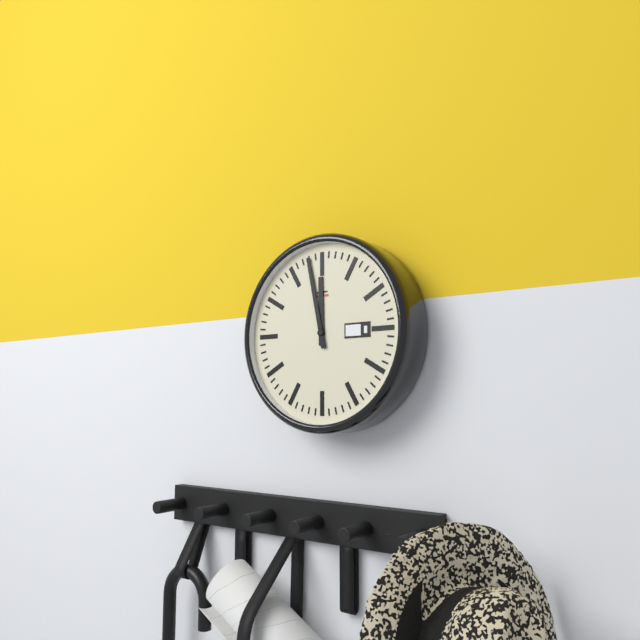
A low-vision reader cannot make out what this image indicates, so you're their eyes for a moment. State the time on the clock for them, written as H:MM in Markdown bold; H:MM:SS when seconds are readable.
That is **11:58**
